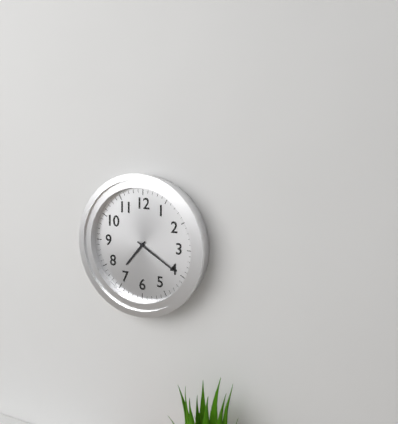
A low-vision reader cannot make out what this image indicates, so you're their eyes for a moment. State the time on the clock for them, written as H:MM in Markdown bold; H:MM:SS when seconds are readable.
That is **7:20**
